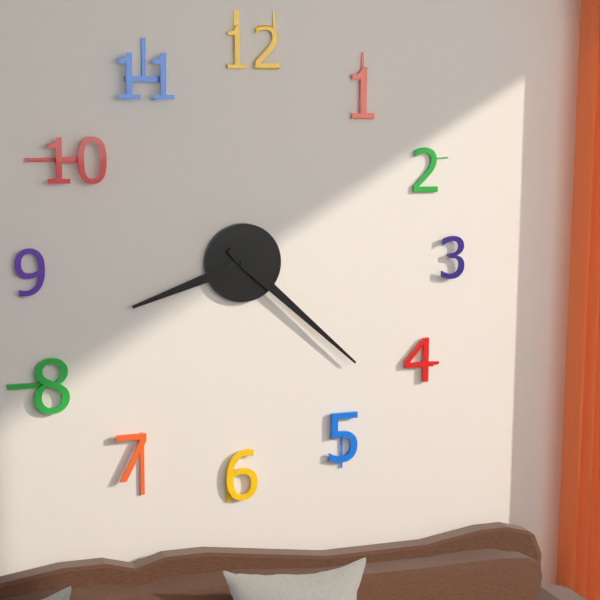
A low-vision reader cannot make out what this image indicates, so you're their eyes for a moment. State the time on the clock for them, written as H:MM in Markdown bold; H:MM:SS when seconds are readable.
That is **8:22**
